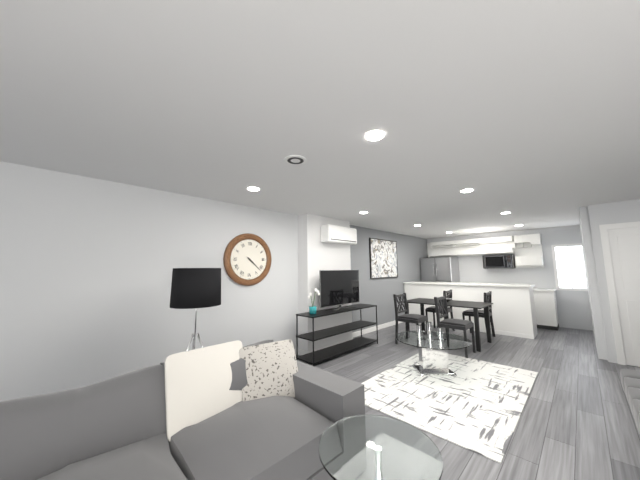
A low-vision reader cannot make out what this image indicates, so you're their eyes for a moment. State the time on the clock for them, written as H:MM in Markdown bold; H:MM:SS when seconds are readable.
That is **4:22**
